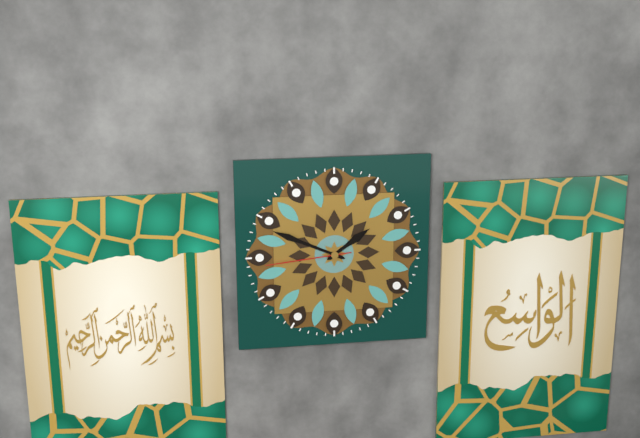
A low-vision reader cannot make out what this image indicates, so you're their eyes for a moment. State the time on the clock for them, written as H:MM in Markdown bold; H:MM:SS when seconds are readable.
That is **1:49:44**
